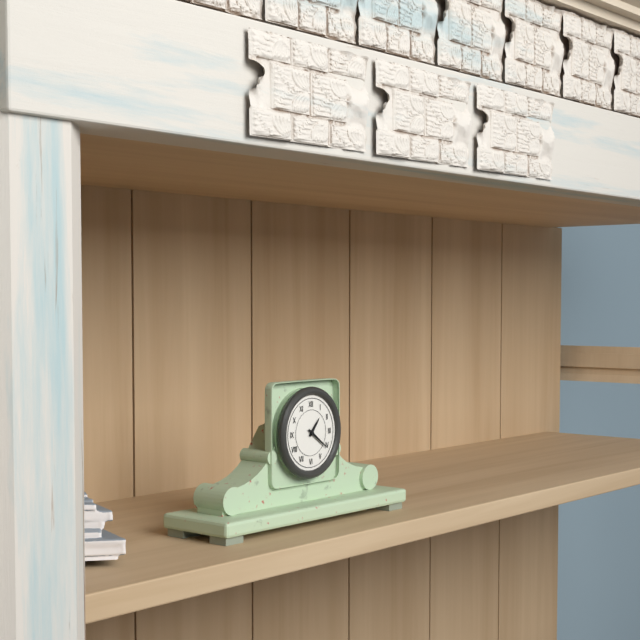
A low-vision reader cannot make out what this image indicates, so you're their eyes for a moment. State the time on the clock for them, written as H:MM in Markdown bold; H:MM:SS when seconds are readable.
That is **1:21**
